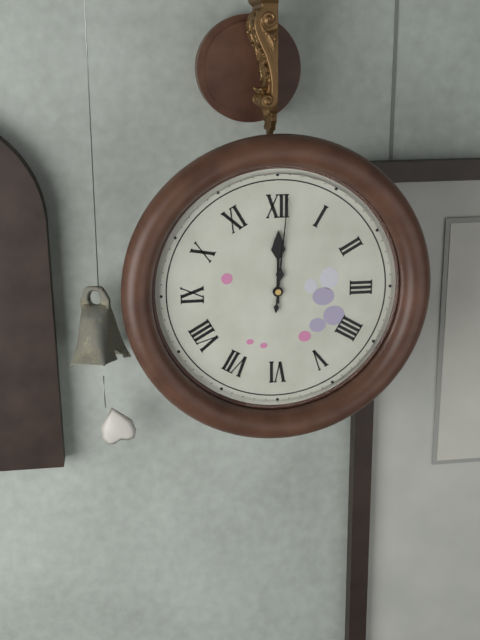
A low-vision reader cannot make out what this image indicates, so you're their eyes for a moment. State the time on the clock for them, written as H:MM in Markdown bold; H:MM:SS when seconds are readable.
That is **12:01**
